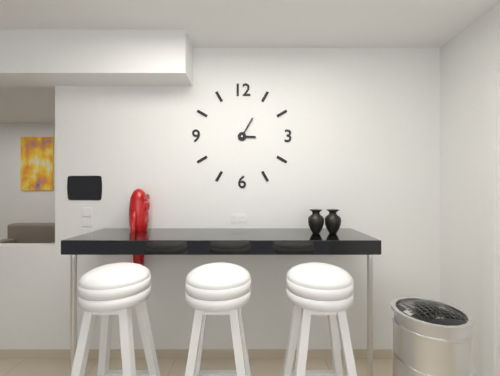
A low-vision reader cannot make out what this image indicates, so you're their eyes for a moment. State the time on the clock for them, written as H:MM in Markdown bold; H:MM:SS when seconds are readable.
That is **3:05**
